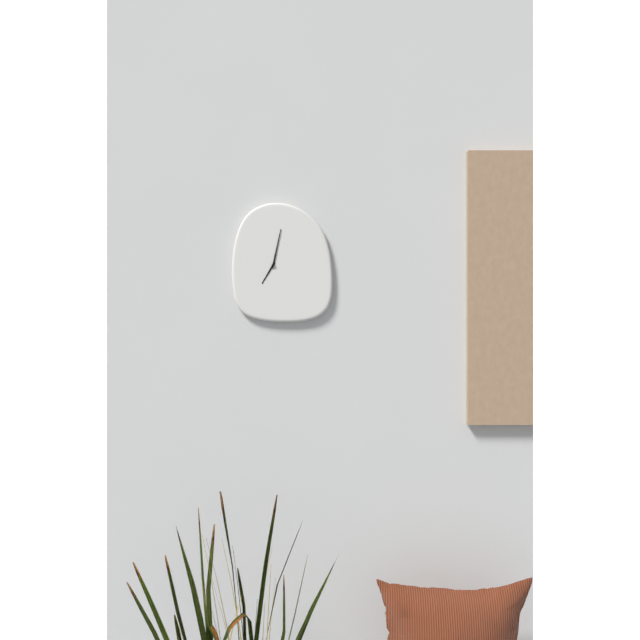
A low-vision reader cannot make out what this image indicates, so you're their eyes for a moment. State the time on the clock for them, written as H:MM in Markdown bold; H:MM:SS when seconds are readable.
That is **7:02**
